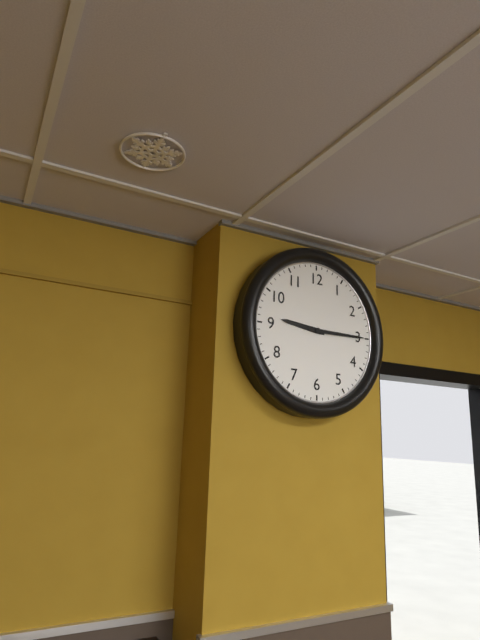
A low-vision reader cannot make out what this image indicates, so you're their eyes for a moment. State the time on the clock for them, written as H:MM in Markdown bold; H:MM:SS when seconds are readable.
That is **9:15**
